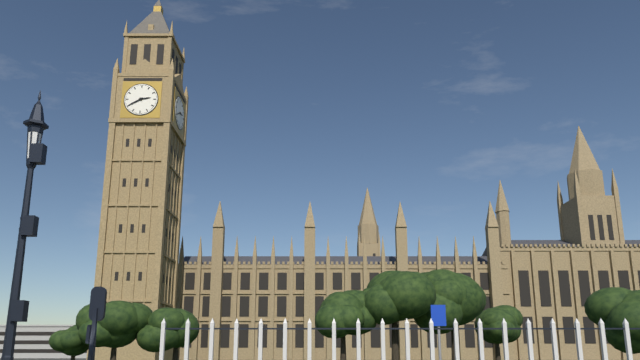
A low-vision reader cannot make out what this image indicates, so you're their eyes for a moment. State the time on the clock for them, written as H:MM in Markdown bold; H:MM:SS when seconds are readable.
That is **2:40**
